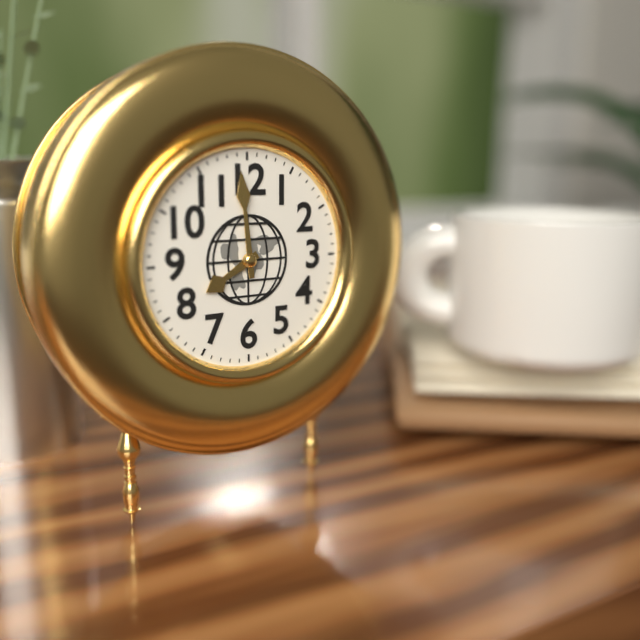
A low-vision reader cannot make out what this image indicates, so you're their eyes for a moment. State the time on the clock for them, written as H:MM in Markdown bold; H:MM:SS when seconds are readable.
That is **7:59**
